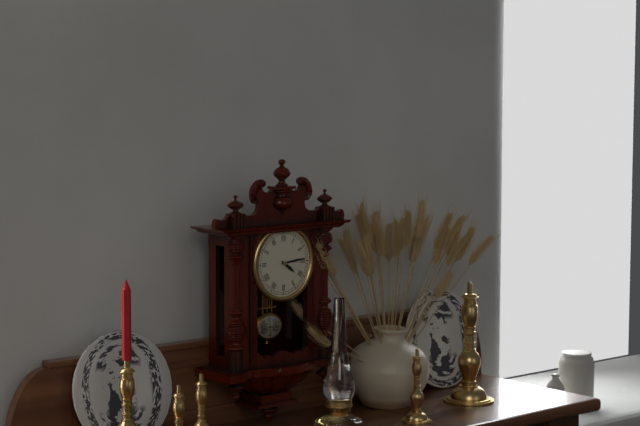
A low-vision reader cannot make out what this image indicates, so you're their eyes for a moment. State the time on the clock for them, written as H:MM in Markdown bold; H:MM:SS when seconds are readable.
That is **4:14**
